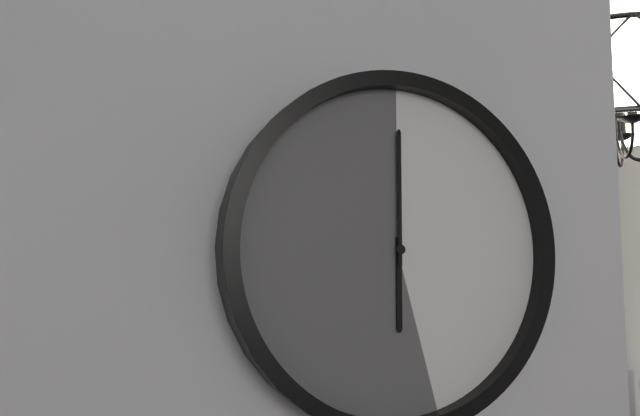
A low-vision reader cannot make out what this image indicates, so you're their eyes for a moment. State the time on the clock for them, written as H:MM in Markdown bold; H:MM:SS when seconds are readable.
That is **6:00**
